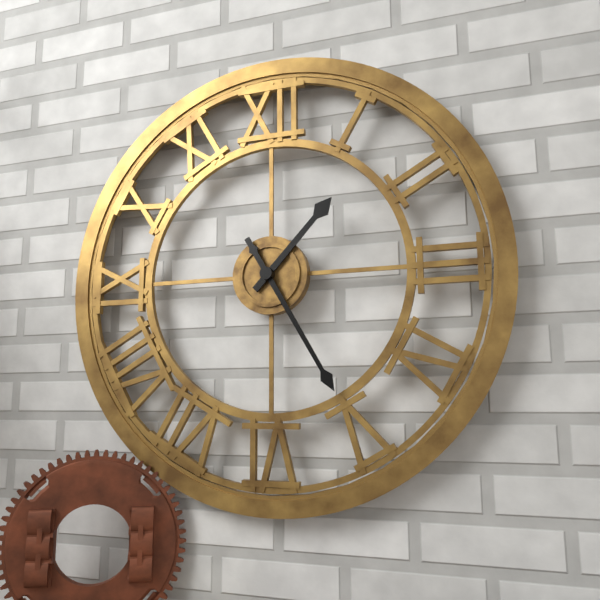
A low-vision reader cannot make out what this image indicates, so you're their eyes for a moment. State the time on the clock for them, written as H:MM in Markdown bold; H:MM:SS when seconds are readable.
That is **1:25**
